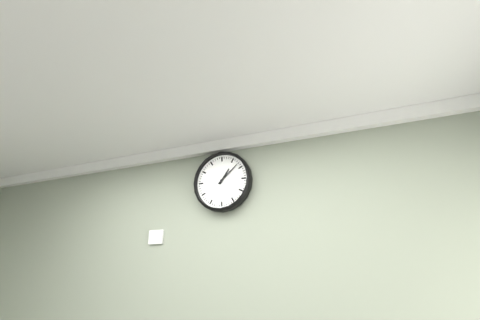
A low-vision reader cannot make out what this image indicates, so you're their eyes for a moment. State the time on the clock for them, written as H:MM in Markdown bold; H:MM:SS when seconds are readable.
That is **1:08**
